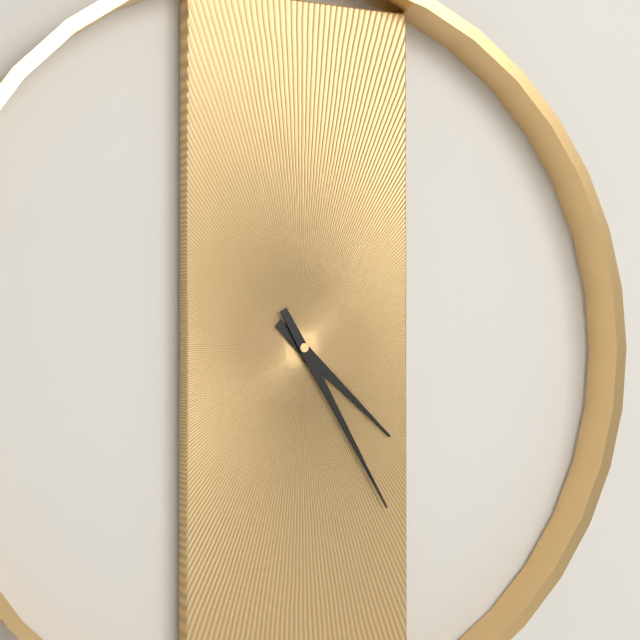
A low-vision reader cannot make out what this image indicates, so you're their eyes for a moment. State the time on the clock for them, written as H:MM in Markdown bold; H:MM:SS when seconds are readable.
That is **4:25**
